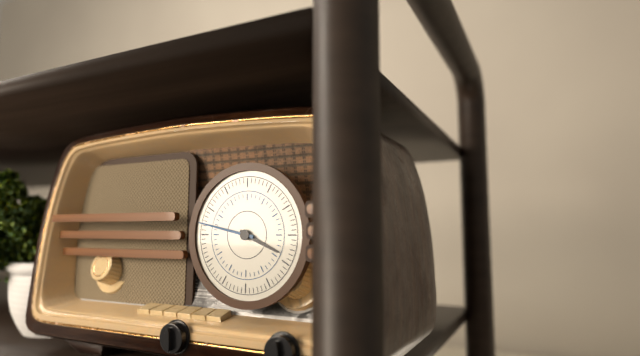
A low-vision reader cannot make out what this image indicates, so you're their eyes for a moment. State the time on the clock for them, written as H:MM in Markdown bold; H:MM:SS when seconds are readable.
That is **3:47**
